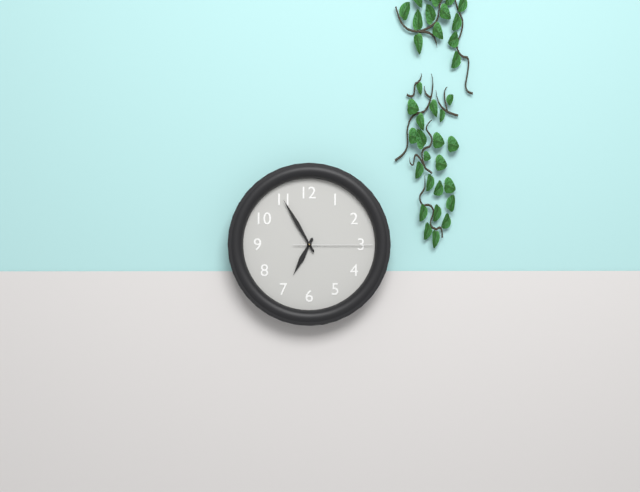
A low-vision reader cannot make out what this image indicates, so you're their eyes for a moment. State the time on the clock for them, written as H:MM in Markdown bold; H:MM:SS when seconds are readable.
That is **6:55:15**
